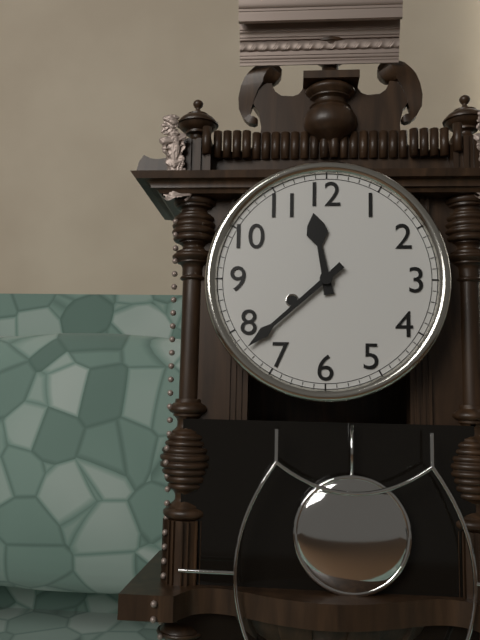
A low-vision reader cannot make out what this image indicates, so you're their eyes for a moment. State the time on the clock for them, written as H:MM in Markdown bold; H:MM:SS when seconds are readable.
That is **11:38**
